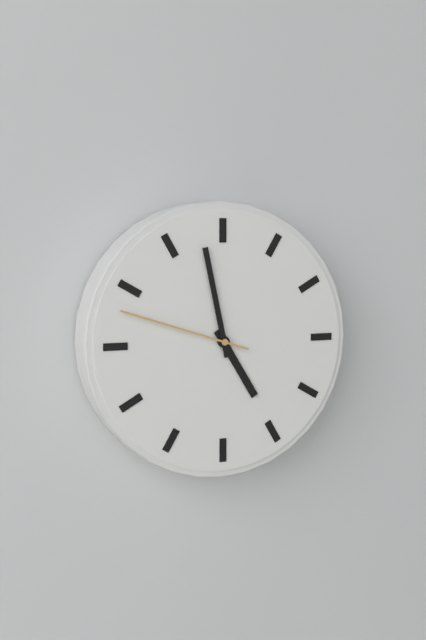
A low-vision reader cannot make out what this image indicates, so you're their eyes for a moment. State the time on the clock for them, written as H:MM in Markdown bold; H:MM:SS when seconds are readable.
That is **4:58:48**
